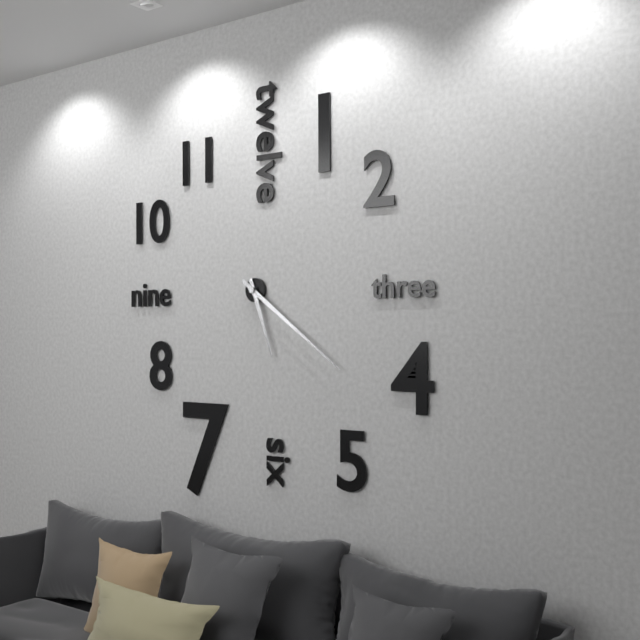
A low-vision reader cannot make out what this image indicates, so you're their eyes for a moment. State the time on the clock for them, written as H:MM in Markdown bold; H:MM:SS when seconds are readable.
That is **5:21**
